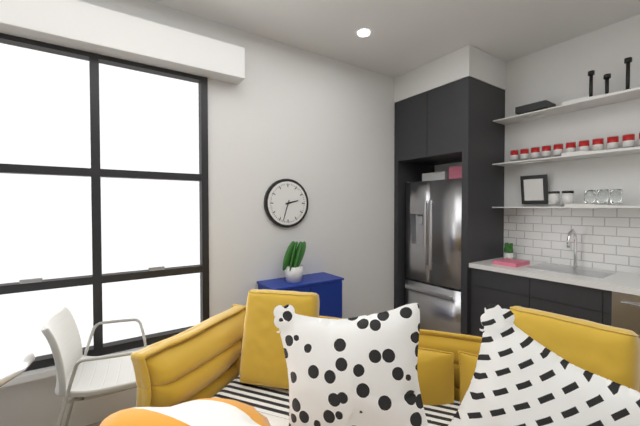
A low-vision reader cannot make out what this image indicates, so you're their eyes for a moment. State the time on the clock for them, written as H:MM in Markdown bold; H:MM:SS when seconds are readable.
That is **2:33**
